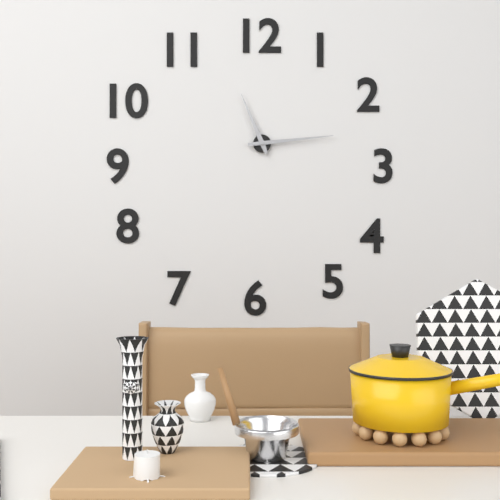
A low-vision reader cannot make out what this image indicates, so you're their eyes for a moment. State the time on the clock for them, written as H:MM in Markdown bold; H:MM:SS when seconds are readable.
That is **11:14**
